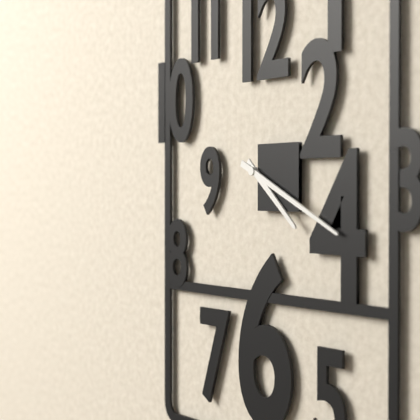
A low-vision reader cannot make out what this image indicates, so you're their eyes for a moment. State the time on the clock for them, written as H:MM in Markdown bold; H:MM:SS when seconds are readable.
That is **4:19**
